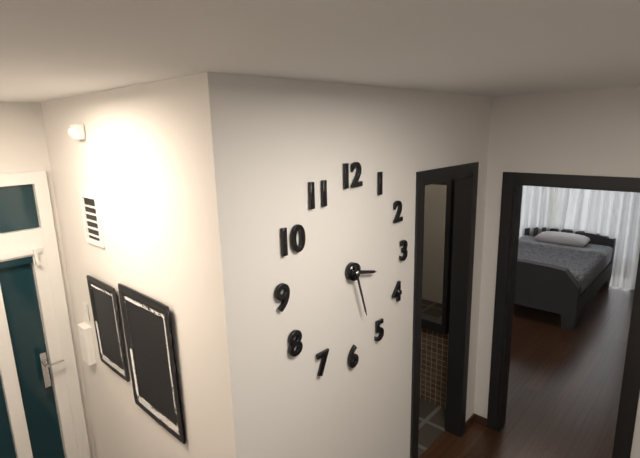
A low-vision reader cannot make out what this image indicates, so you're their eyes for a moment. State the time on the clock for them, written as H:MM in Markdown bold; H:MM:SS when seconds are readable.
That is **3:27**
